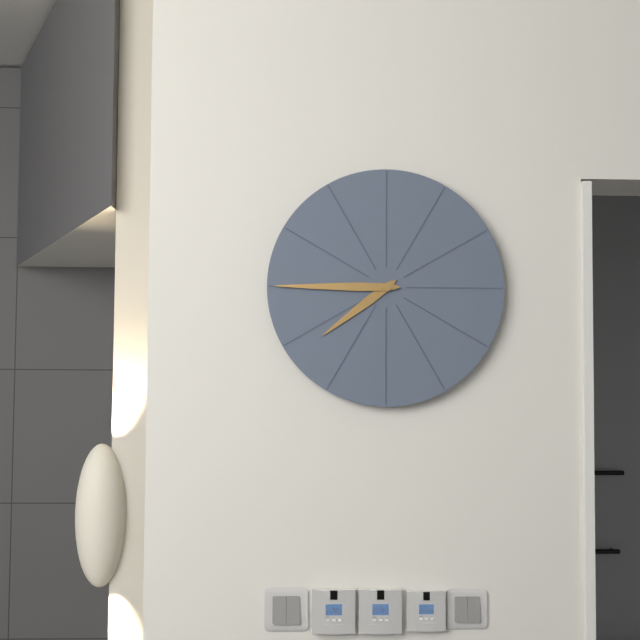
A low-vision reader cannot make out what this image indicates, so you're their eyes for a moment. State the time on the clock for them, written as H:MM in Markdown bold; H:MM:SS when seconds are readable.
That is **7:45**
